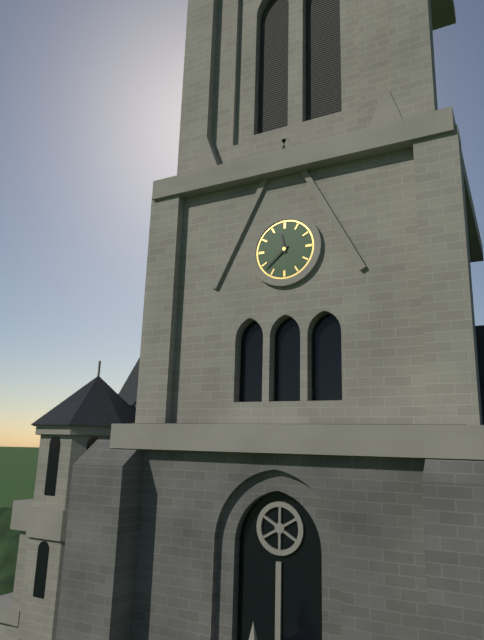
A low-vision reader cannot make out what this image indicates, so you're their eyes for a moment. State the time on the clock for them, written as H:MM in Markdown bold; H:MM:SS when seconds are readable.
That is **11:38**
